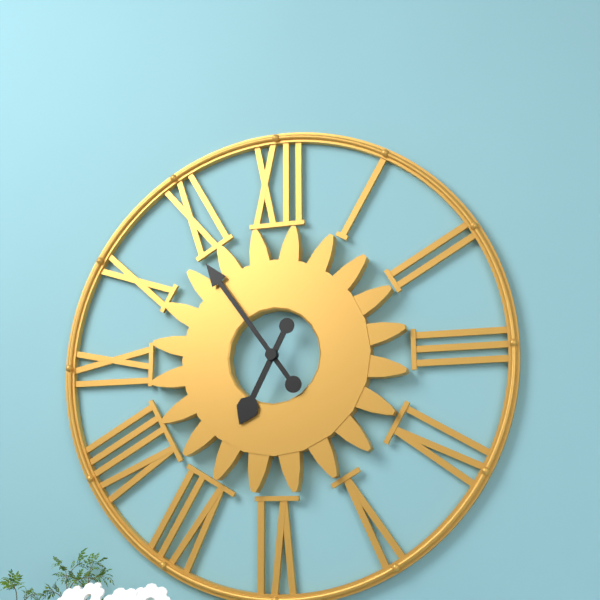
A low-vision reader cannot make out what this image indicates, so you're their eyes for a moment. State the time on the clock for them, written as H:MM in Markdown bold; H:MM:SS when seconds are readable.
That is **6:54**
